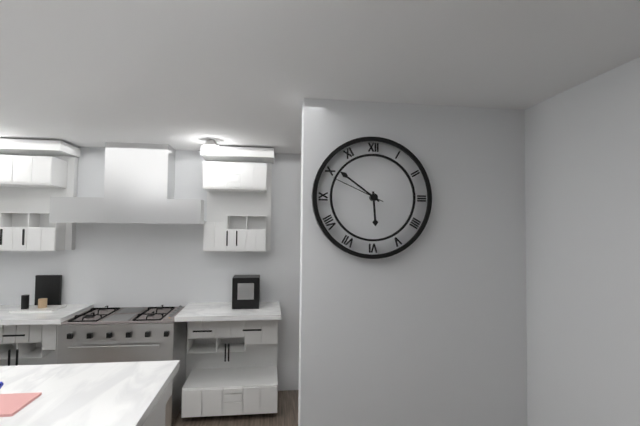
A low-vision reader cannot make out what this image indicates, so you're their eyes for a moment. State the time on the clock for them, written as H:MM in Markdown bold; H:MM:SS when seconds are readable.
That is **5:51:49**
